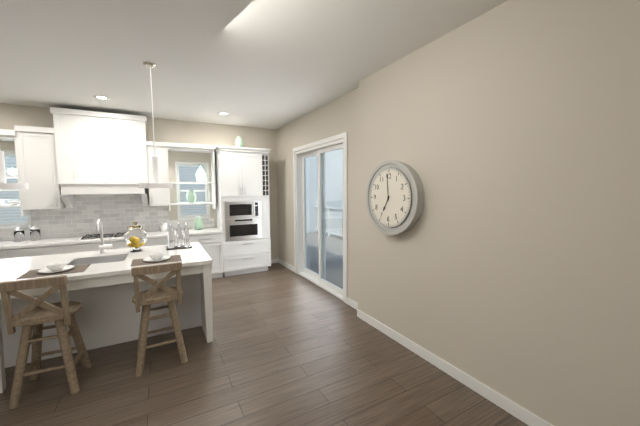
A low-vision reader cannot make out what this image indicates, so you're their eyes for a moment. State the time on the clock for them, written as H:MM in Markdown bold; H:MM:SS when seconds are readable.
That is **6:59**
